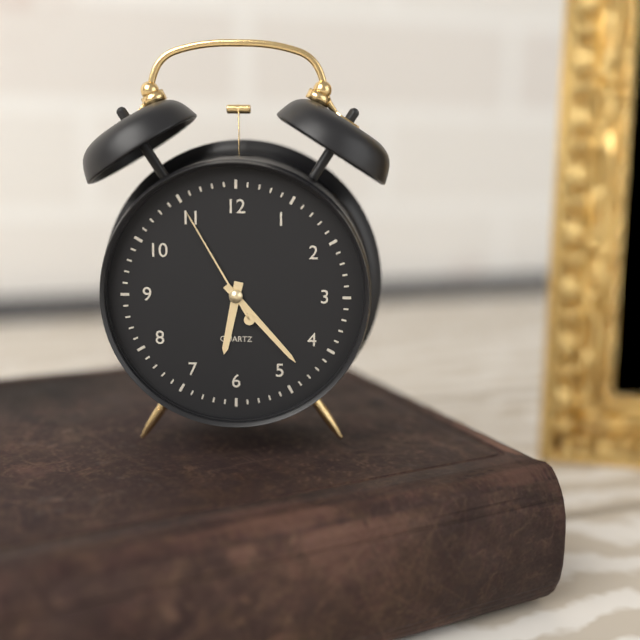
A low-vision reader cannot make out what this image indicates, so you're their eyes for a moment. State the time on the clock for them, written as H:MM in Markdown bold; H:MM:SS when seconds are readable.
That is **6:23:55**
